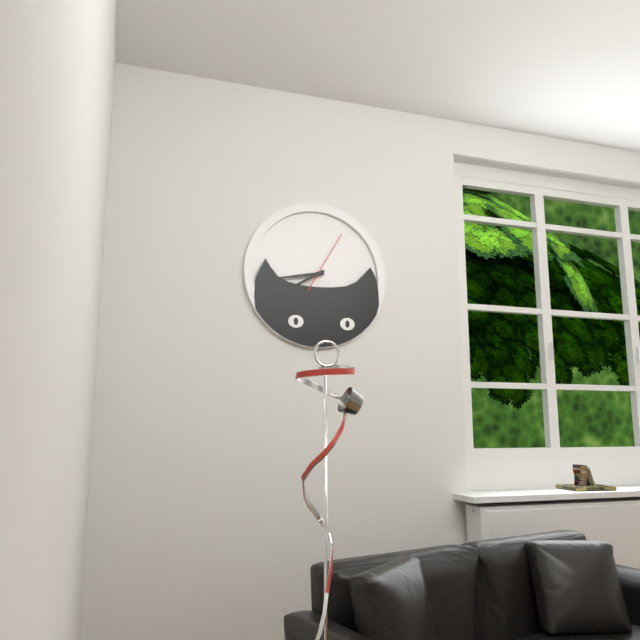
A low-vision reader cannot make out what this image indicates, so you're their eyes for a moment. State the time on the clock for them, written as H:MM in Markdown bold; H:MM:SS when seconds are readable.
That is **8:40:05**
